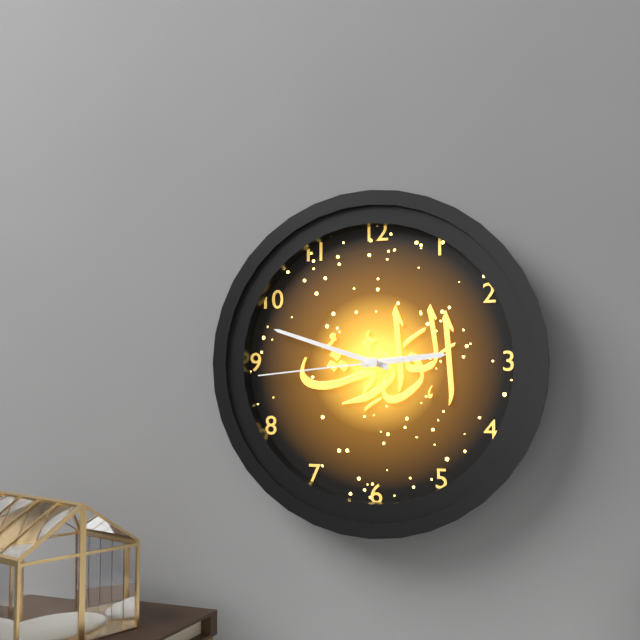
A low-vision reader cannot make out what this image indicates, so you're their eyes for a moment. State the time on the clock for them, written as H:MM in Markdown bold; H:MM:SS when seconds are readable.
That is **2:48:44**
